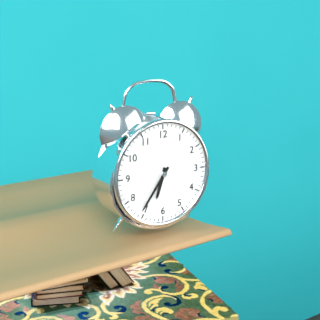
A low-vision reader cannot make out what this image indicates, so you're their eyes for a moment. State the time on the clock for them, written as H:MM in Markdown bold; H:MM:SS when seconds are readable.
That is **6:36**
